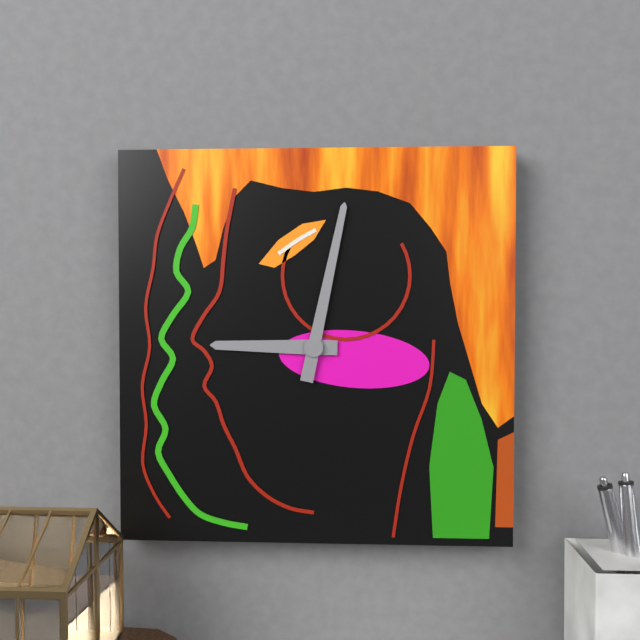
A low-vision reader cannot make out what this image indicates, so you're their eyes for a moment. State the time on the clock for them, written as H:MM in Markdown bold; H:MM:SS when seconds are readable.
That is **9:02**
